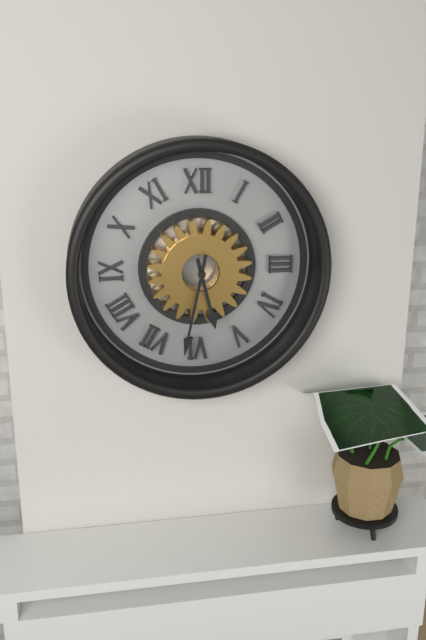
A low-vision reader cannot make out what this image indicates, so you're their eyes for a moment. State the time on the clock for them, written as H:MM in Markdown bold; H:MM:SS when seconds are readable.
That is **5:32**
